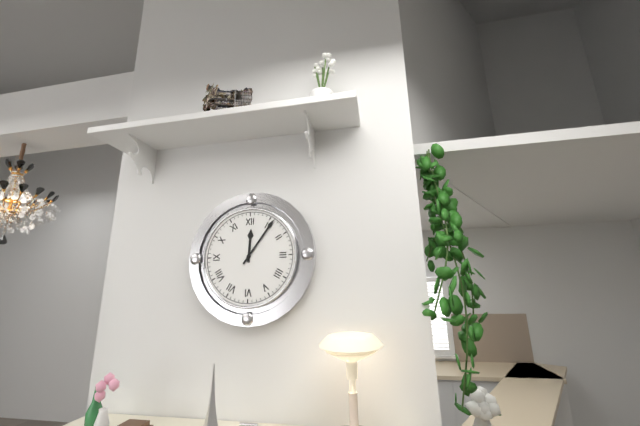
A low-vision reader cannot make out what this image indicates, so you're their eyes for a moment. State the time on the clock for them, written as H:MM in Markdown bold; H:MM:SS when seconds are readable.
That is **12:06**
